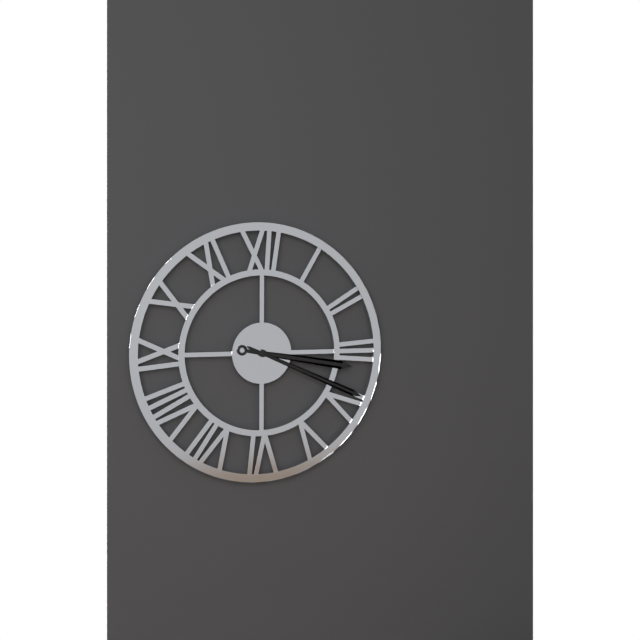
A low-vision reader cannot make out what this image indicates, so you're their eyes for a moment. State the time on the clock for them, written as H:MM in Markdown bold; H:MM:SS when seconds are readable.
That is **3:19**
